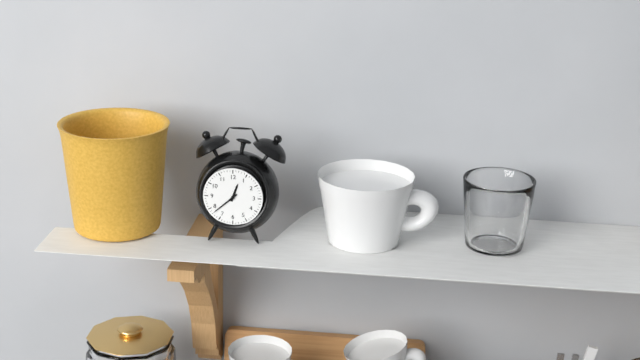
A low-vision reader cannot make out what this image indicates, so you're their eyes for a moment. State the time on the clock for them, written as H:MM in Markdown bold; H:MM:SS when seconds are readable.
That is **12:38**
